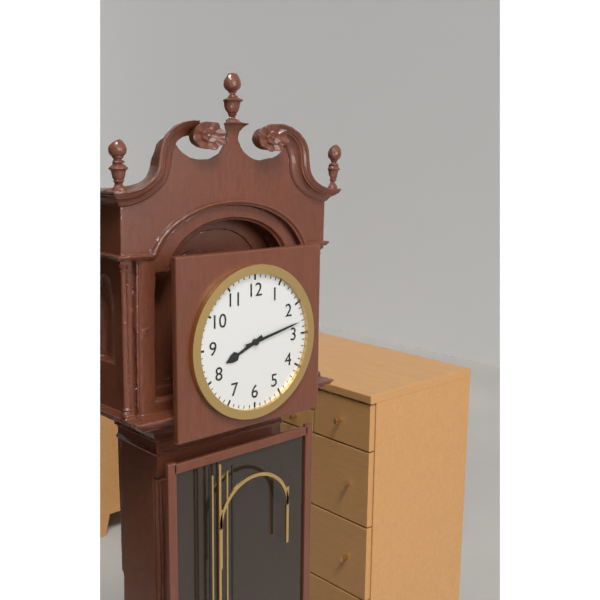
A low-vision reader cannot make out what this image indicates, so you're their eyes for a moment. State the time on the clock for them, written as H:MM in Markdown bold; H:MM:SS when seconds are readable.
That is **8:13**
